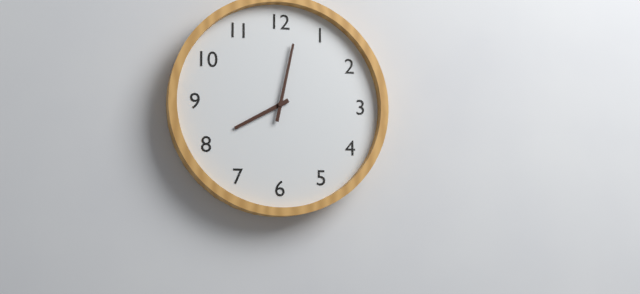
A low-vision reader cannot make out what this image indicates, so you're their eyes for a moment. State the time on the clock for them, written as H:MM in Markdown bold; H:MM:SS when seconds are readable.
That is **8:02**
